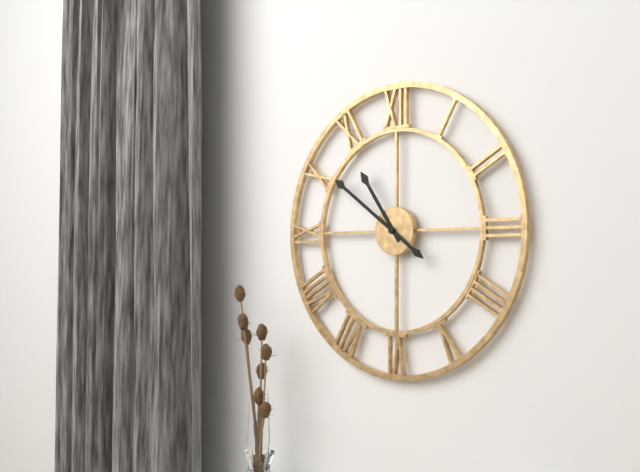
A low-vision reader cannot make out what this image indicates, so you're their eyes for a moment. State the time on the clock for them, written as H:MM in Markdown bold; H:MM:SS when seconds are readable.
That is **10:51**
